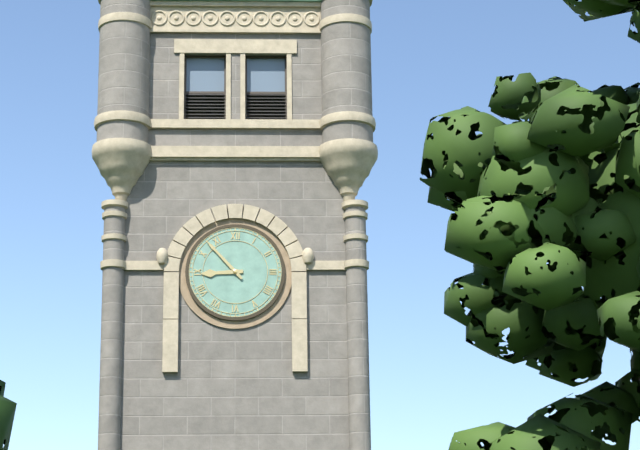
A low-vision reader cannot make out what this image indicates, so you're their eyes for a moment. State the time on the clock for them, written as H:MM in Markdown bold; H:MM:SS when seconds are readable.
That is **8:53**
